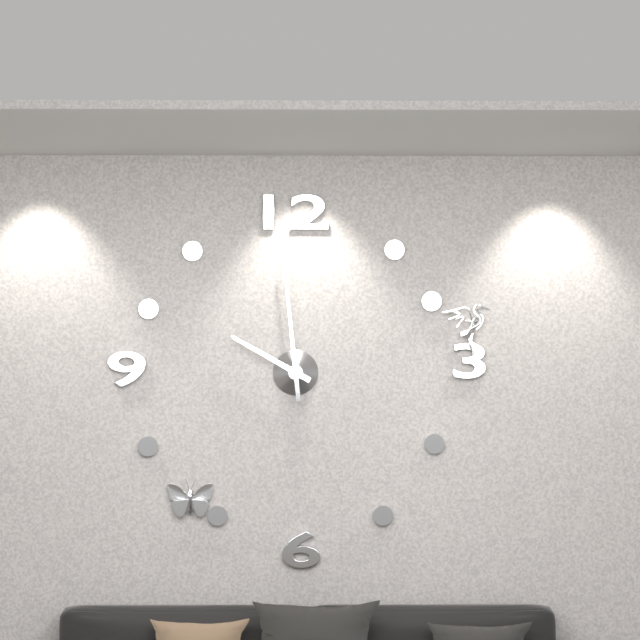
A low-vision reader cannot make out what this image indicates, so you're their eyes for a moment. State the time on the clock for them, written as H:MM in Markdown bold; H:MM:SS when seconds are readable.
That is **9:59**
